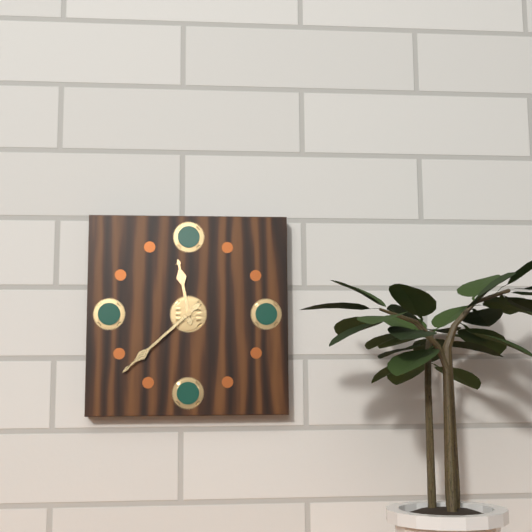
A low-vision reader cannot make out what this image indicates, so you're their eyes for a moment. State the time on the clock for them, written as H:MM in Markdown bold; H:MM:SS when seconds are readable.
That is **11:38**
